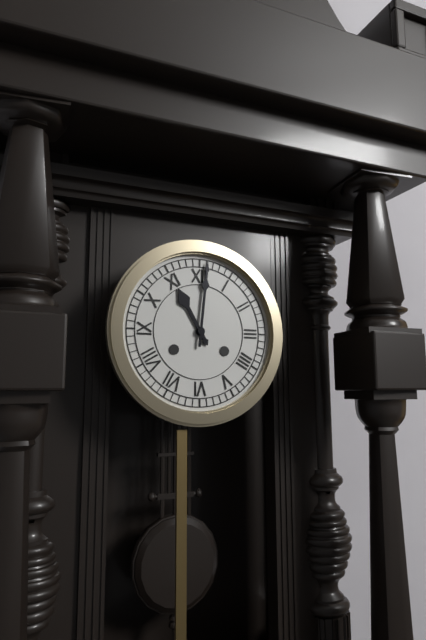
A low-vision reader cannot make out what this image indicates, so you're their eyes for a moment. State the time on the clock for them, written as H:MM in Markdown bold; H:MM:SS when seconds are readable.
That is **11:01**
